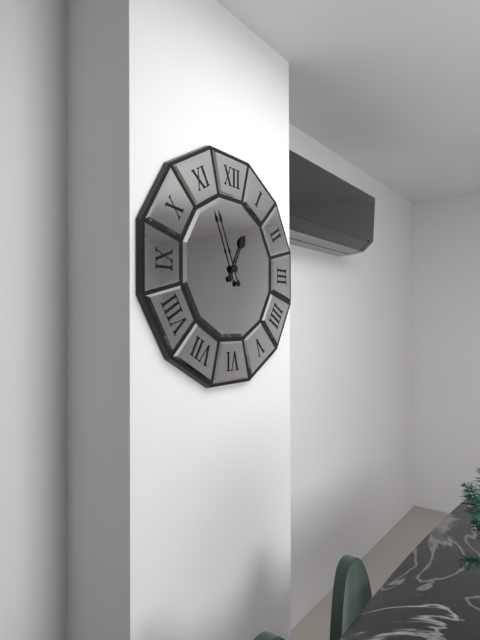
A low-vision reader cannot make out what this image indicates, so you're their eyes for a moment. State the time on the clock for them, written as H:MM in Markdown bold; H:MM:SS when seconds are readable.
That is **12:56**
